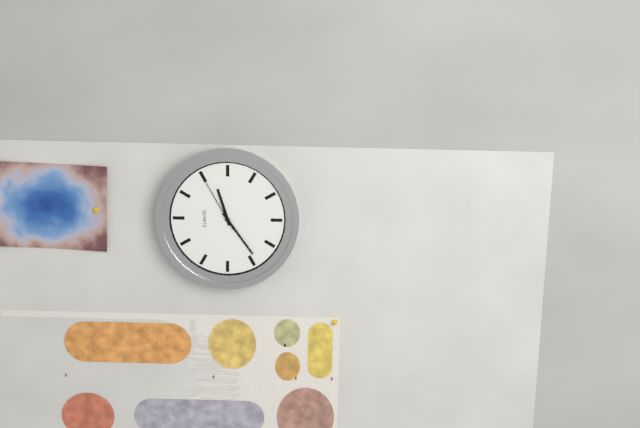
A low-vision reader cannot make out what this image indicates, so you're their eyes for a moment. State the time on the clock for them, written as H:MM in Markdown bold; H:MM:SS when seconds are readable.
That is **11:24:55**
